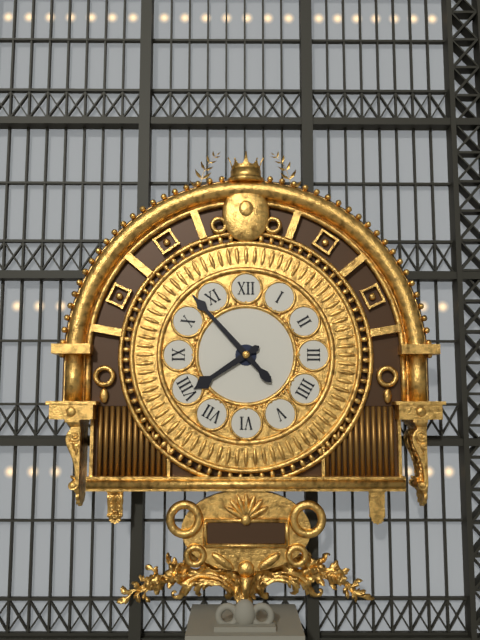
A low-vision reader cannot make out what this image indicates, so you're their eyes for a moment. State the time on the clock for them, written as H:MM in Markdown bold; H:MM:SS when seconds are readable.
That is **7:53**
